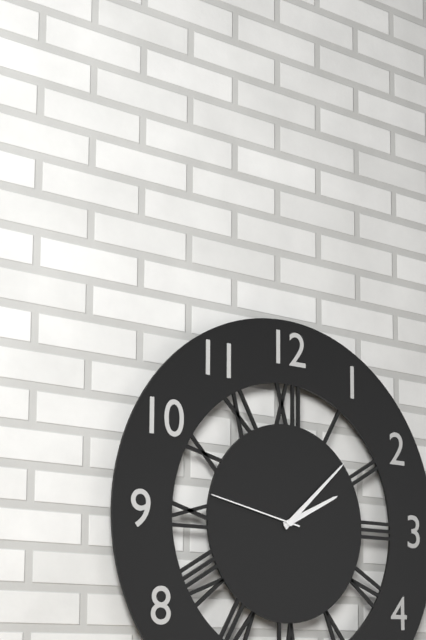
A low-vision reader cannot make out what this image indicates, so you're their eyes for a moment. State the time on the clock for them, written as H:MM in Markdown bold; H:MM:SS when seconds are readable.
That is **2:08:47**
